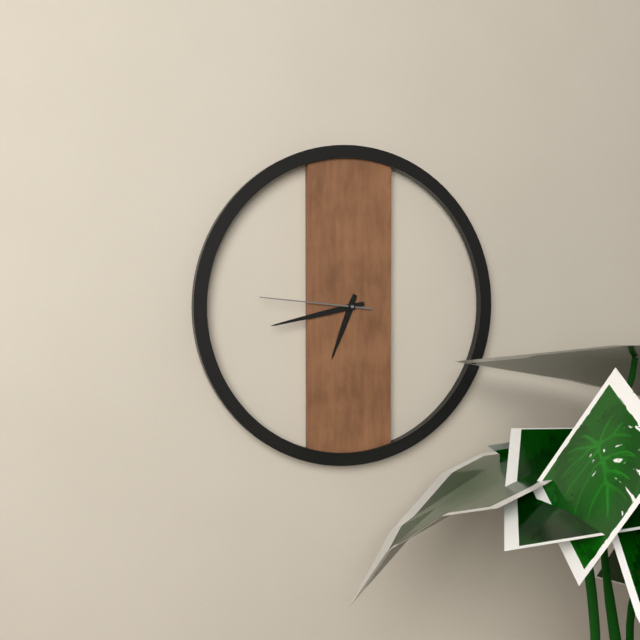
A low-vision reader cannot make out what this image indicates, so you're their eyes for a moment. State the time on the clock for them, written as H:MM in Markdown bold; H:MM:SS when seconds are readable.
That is **6:43:46**
